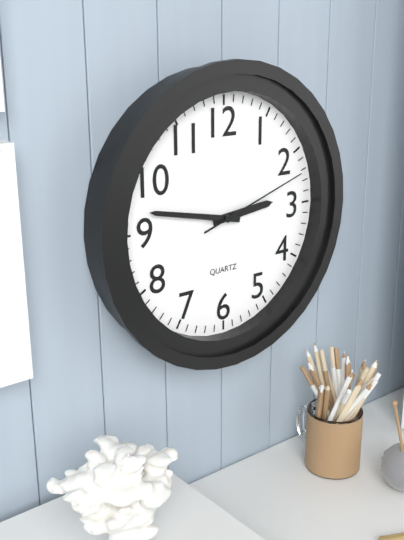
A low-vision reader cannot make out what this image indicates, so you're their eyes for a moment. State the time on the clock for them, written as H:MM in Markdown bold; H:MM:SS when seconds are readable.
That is **2:47:12**
